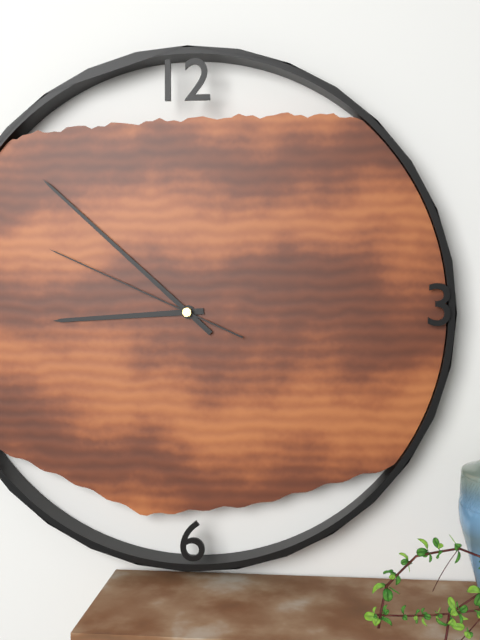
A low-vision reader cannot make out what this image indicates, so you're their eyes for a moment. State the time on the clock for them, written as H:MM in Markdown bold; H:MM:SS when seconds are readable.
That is **8:52:49**
